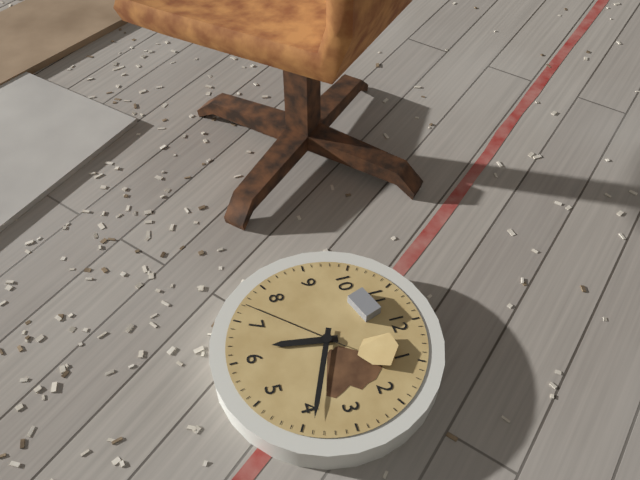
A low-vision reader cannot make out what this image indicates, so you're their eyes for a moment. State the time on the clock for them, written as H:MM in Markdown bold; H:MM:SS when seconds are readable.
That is **6:19:37**
